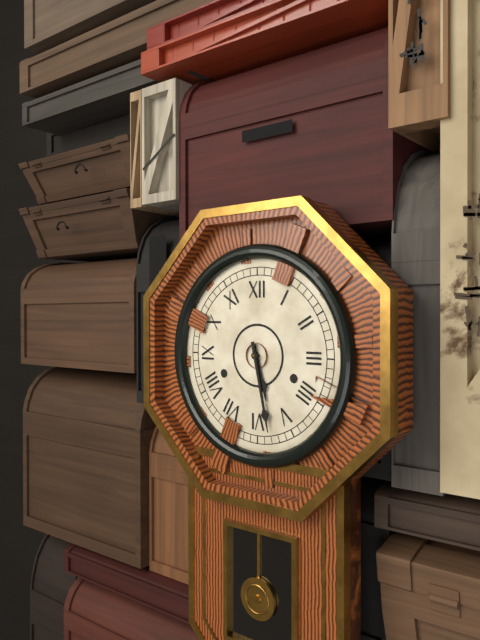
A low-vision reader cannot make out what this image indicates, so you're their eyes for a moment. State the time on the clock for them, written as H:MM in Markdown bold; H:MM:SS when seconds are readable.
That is **5:28**
